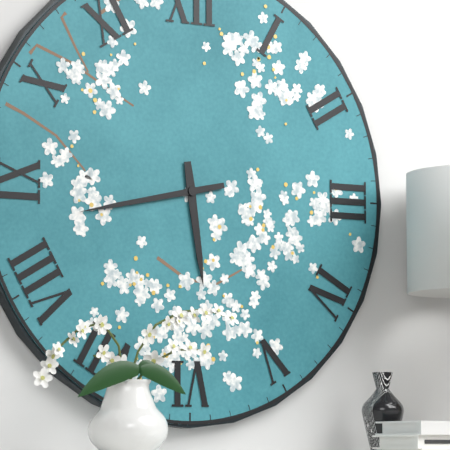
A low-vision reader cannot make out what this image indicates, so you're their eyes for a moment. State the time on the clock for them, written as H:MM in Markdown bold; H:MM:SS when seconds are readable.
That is **5:43**
